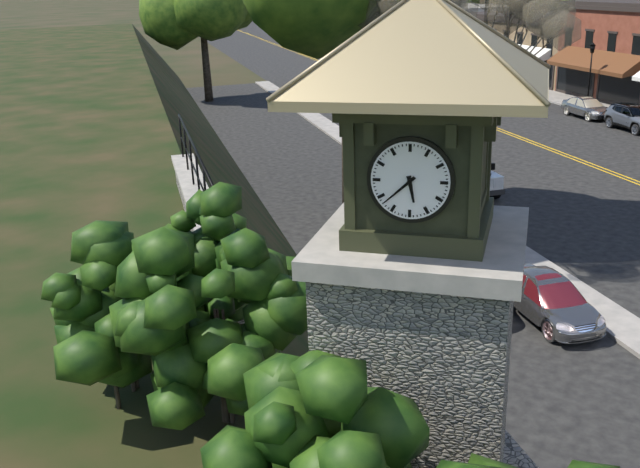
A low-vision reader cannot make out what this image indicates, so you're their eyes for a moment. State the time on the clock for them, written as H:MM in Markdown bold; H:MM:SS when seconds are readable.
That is **5:38**
